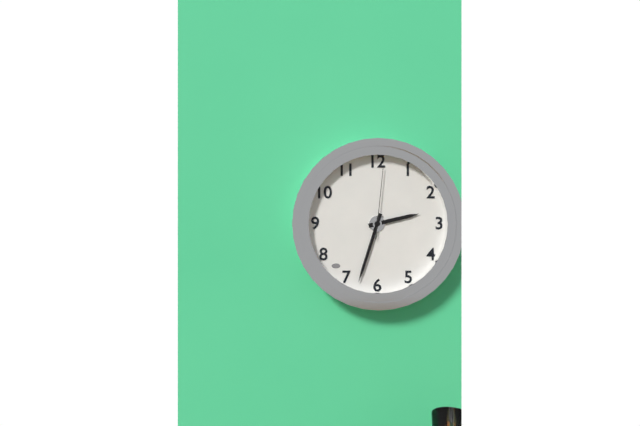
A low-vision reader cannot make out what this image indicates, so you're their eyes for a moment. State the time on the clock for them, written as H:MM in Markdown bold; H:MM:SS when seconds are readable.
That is **2:33:01**
